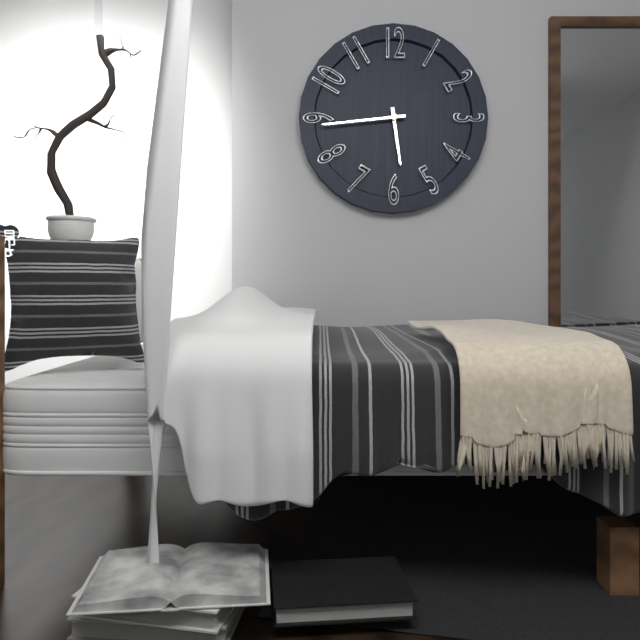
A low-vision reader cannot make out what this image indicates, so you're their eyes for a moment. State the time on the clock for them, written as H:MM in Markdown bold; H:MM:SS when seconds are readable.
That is **5:44**
